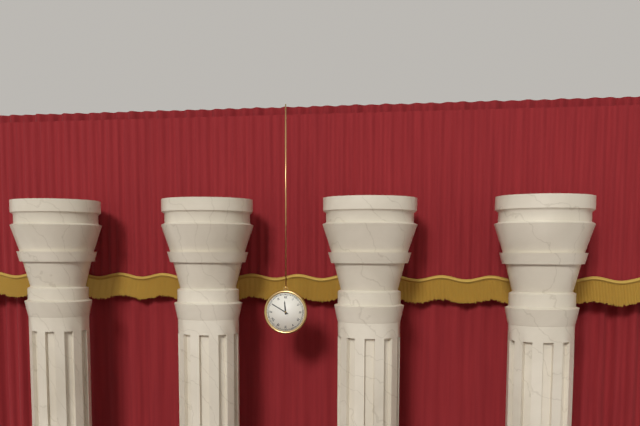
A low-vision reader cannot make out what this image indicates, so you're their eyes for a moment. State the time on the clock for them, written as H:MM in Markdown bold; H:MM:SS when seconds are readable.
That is **11:50**
